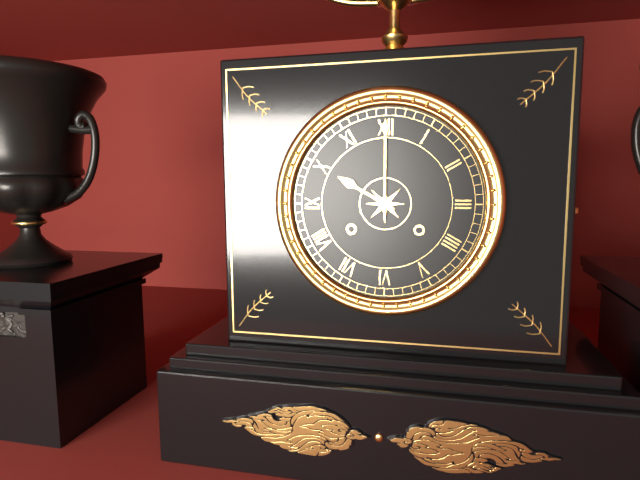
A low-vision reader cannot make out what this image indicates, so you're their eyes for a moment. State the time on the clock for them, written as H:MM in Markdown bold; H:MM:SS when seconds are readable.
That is **10:00**
